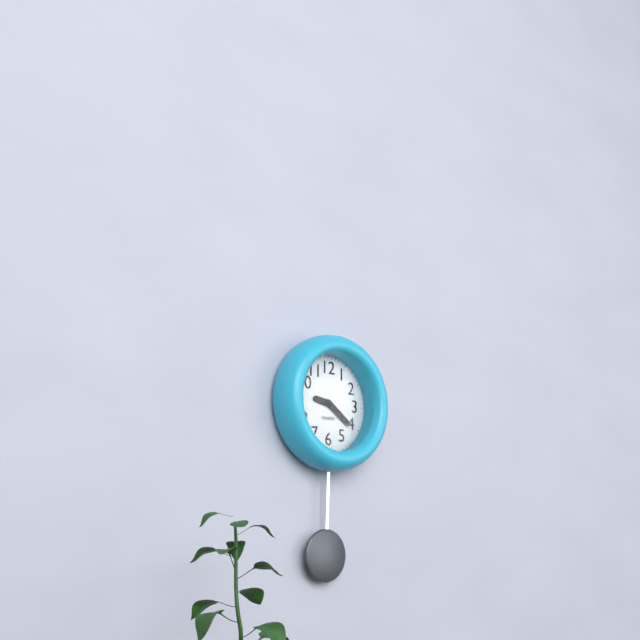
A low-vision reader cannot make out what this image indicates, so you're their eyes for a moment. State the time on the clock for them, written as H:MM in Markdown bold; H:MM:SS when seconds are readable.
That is **9:21**
